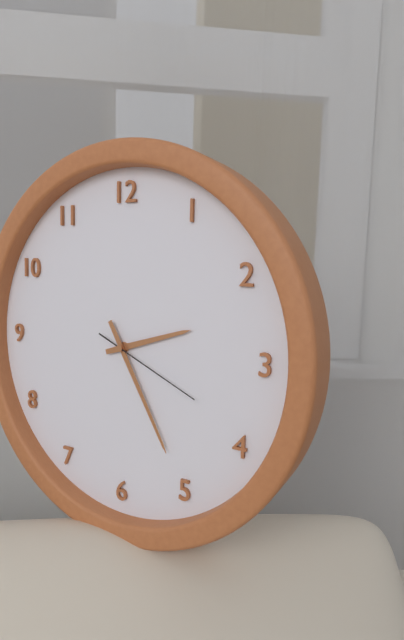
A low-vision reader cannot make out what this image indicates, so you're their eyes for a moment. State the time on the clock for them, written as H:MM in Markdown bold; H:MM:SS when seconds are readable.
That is **2:25:19**
